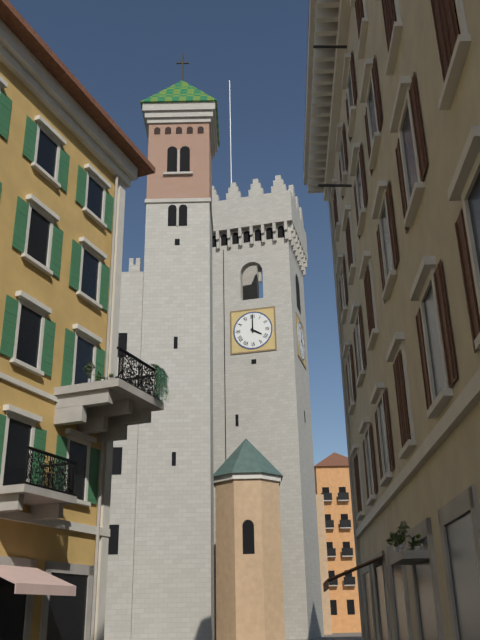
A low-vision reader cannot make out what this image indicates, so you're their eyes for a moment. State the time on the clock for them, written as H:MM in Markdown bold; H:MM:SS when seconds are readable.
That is **4:00**
